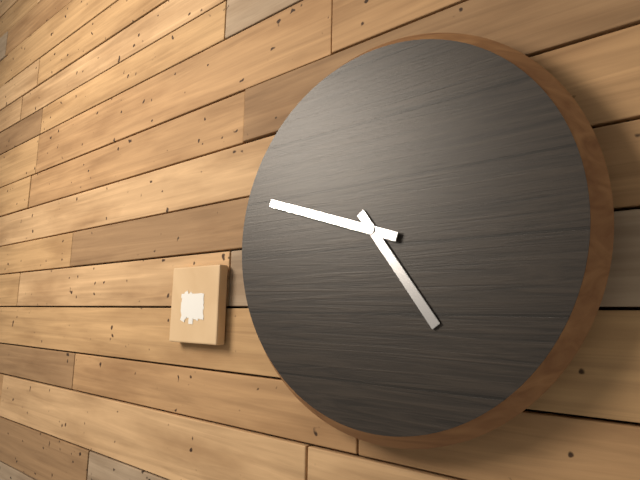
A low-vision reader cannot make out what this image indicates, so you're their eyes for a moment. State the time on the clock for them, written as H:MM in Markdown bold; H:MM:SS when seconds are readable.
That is **4:48**
